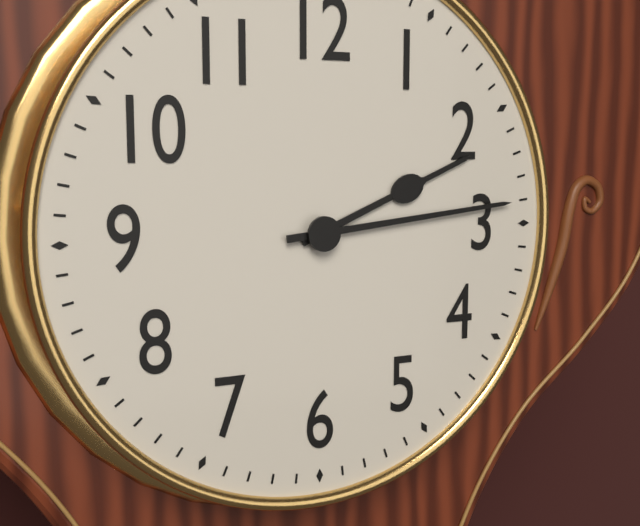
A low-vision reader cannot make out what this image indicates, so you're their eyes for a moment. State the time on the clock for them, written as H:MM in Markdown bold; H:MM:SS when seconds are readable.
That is **2:14**
